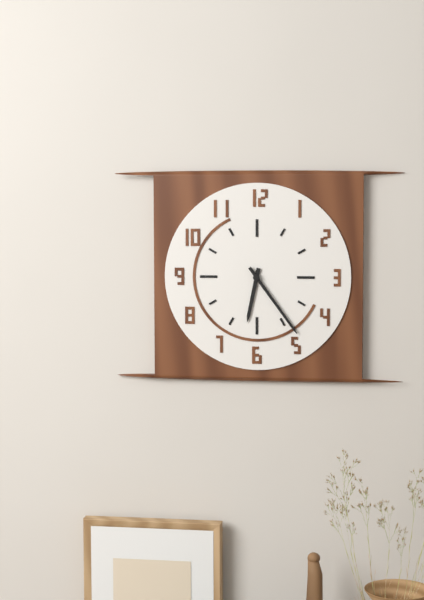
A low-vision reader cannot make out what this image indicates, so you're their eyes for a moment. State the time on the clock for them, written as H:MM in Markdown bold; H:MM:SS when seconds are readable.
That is **6:24**
